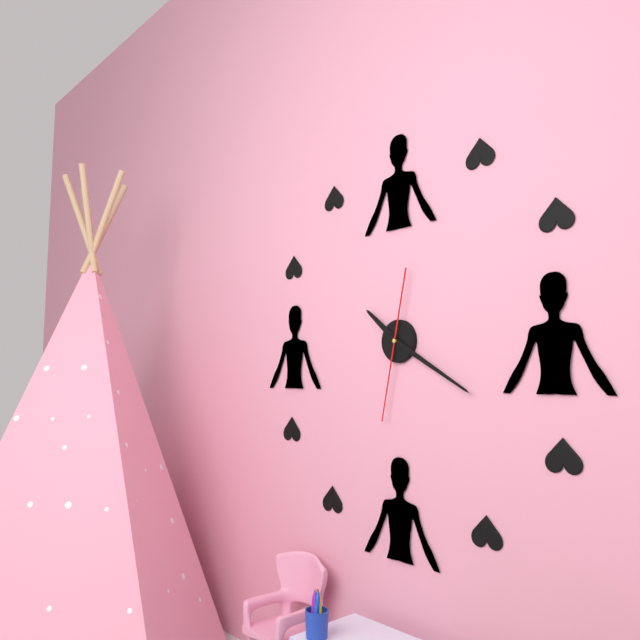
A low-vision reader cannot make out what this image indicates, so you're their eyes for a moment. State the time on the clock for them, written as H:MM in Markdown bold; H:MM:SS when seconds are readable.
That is **10:20:32**
